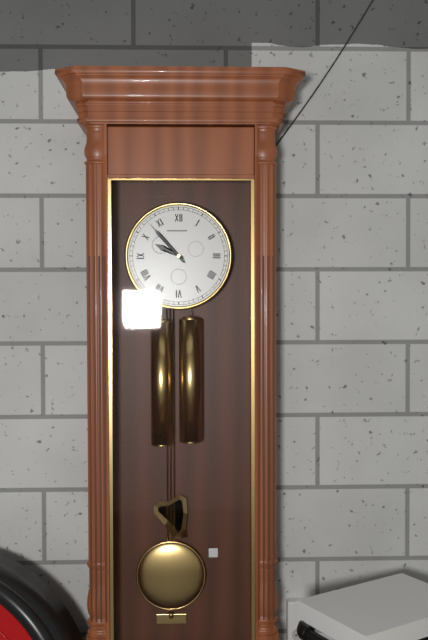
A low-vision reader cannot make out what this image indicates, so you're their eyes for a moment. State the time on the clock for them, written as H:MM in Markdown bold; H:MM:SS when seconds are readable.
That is **9:53**
